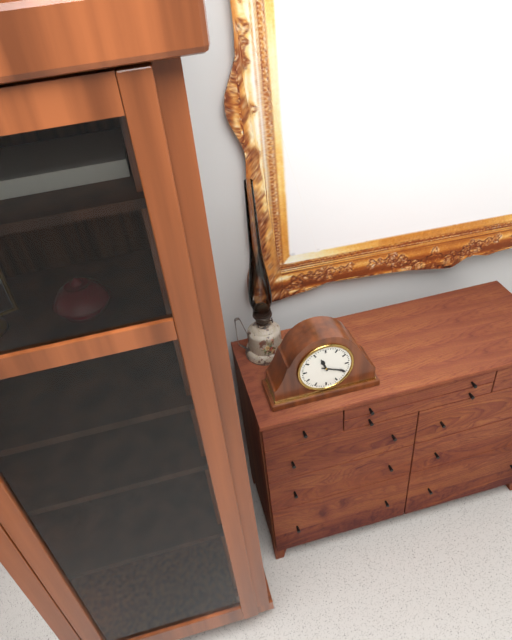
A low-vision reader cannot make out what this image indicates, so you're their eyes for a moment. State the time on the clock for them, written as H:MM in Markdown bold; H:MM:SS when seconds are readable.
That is **11:19**
